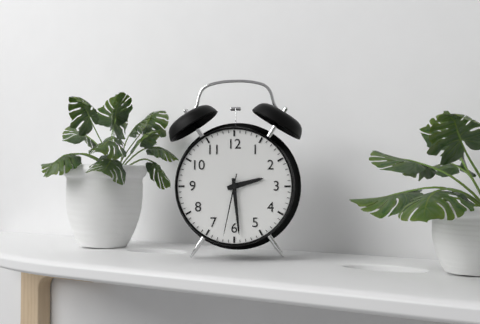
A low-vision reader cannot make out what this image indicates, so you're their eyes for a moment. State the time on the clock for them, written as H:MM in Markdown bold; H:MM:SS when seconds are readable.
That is **2:29:32**
